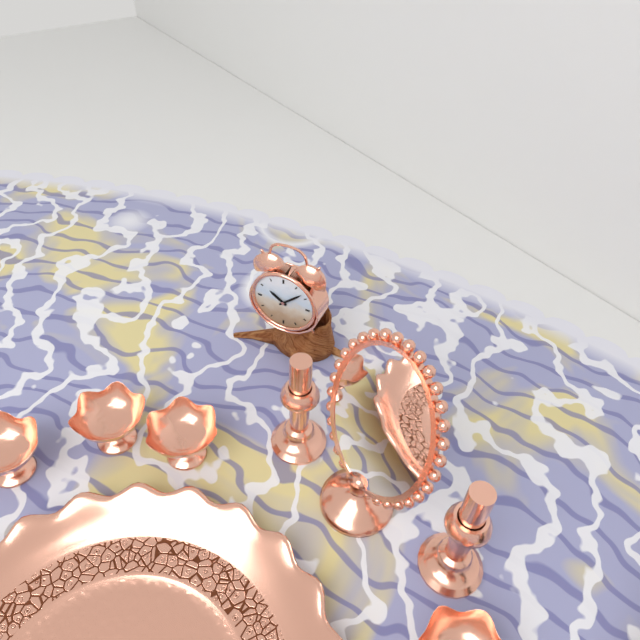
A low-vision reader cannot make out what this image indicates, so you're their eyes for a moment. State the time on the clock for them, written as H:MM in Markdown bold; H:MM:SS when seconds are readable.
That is **10:08**
